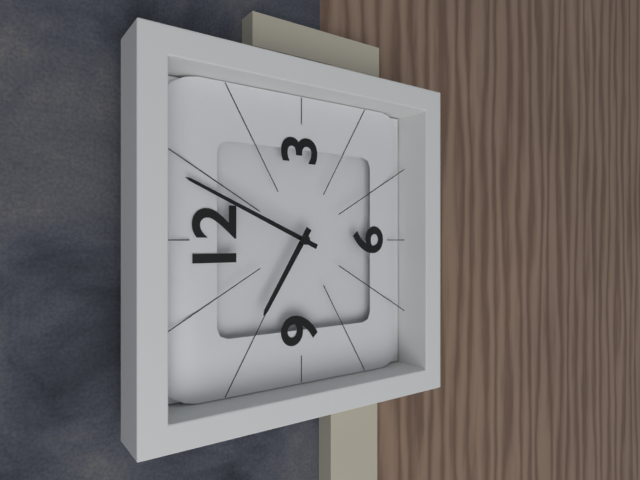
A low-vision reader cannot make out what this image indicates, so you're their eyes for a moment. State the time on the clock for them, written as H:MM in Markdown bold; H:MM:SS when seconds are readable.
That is **10:04**
